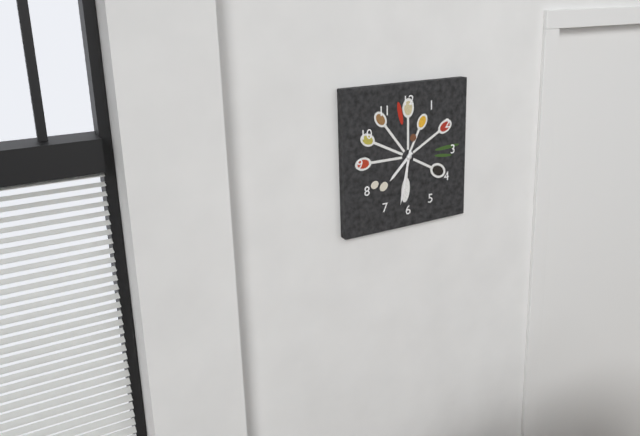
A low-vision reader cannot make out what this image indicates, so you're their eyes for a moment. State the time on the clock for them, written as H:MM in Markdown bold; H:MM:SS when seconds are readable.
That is **7:32**
